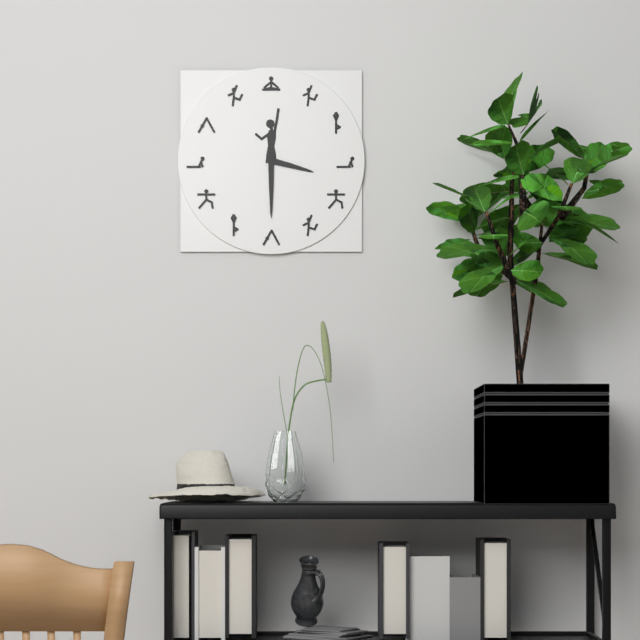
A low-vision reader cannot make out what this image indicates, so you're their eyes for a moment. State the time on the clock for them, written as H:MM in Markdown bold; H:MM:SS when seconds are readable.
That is **3:30**
